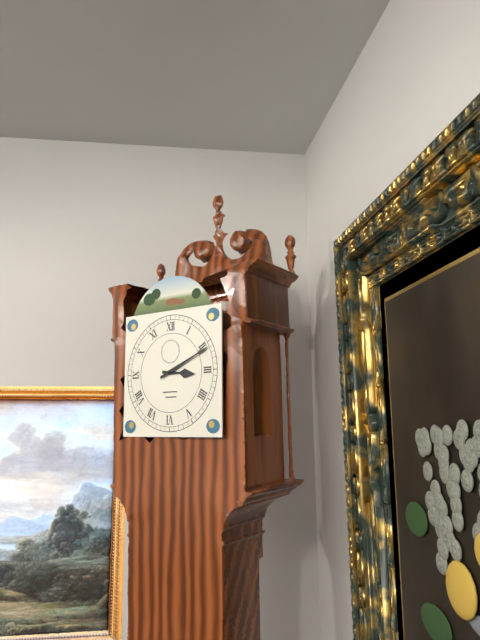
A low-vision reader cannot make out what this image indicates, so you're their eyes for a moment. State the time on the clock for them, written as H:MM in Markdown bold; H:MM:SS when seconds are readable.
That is **3:11**
